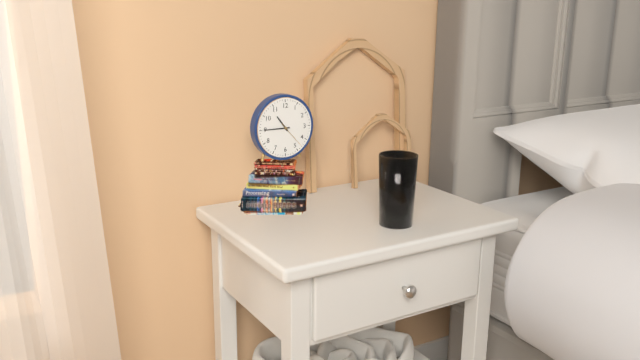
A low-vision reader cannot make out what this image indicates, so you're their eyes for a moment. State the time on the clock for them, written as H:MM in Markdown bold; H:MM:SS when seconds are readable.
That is **10:45**
